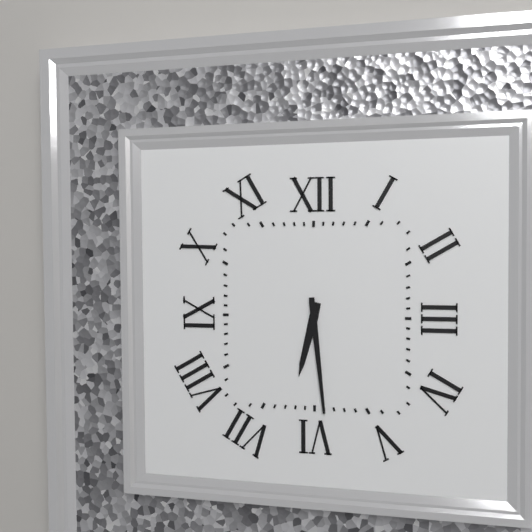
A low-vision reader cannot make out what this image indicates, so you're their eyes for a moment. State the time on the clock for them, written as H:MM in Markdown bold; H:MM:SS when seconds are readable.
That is **6:29**
